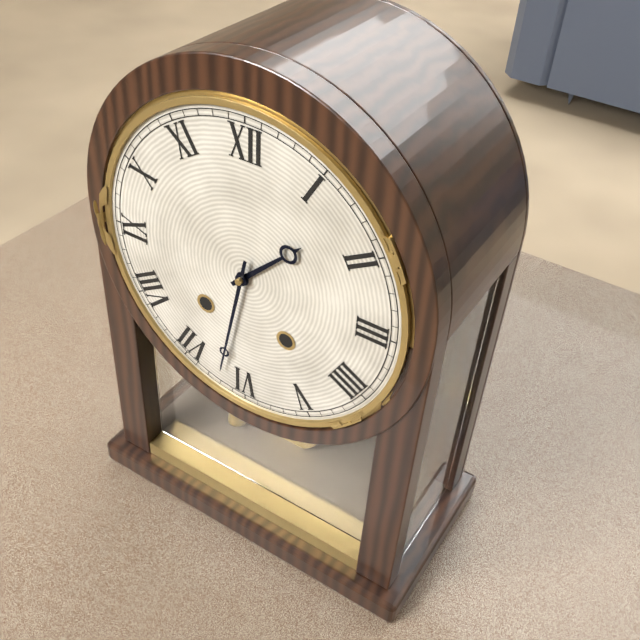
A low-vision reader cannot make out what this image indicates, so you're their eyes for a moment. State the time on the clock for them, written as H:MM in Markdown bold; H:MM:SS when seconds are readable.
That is **1:32**
